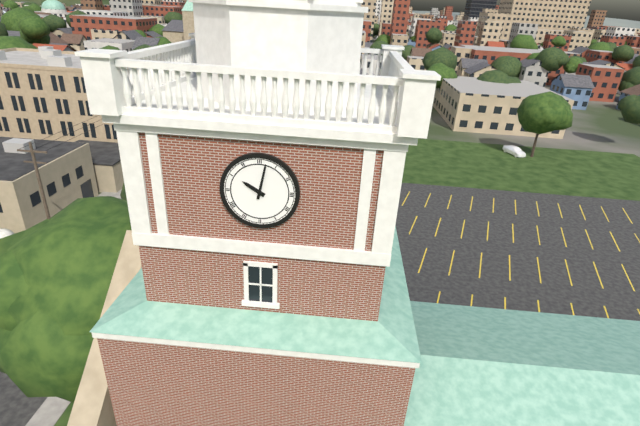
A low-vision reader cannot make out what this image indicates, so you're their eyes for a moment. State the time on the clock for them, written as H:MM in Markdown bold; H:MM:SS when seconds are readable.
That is **10:02**
